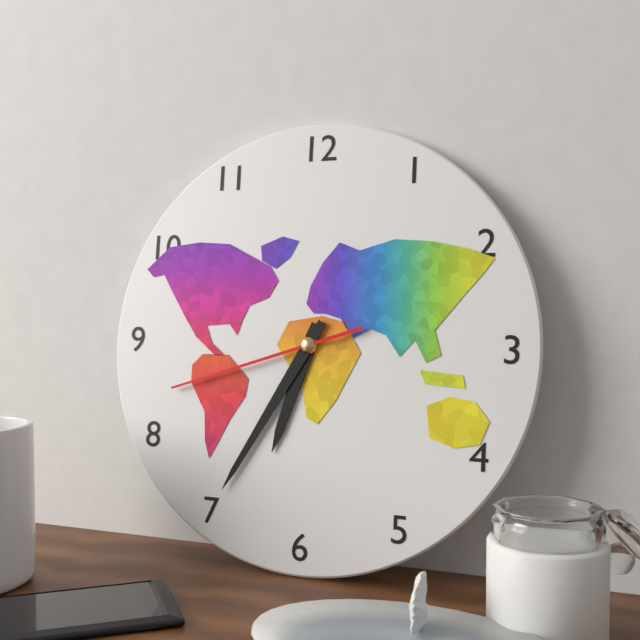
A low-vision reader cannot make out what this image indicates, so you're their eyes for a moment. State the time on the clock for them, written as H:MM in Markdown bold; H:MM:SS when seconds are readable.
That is **6:35:42**
